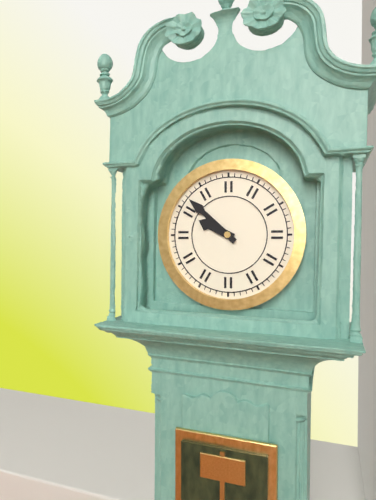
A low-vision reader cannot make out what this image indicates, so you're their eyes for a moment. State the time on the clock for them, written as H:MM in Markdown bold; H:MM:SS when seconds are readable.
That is **9:52**
